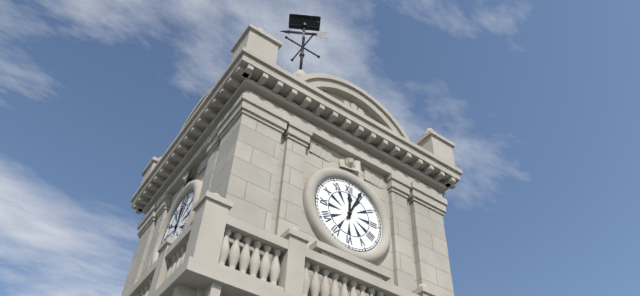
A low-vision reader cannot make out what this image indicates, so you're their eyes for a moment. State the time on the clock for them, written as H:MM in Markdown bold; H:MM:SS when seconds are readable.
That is **12:04**
